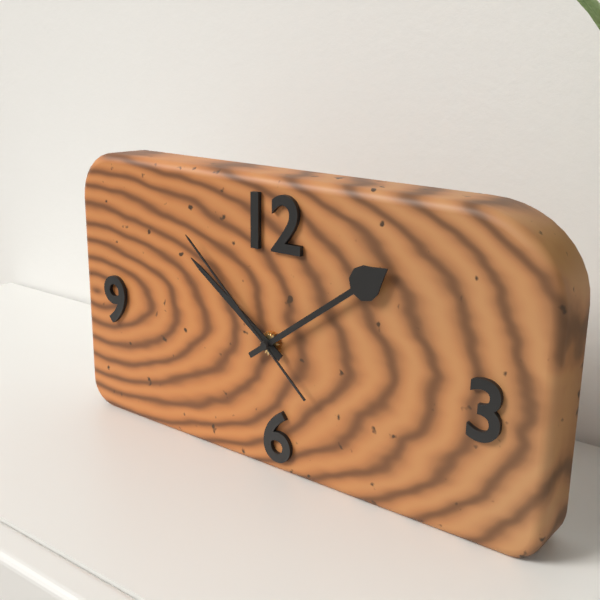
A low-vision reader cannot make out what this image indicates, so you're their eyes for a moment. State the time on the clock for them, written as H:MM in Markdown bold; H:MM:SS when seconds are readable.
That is **10:09:52**
